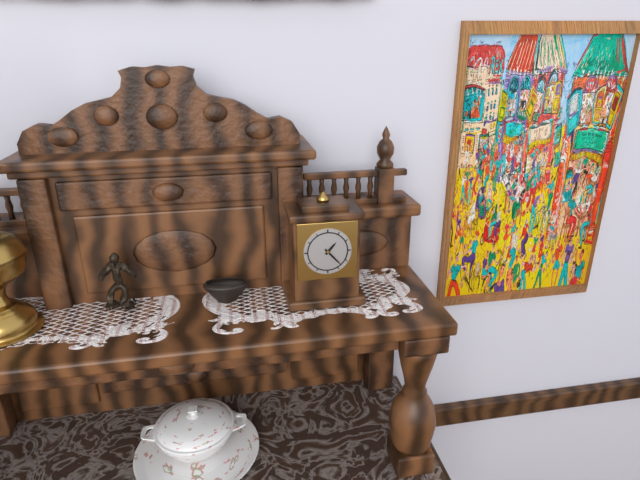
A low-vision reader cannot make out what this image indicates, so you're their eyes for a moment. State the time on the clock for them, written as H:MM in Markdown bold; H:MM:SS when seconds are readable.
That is **1:23**
